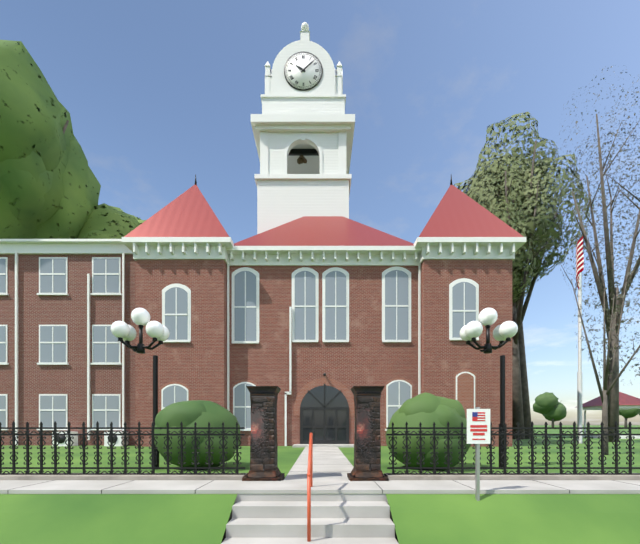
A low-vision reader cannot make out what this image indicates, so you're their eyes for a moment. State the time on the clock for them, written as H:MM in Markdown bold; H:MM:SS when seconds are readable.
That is **10:08**
